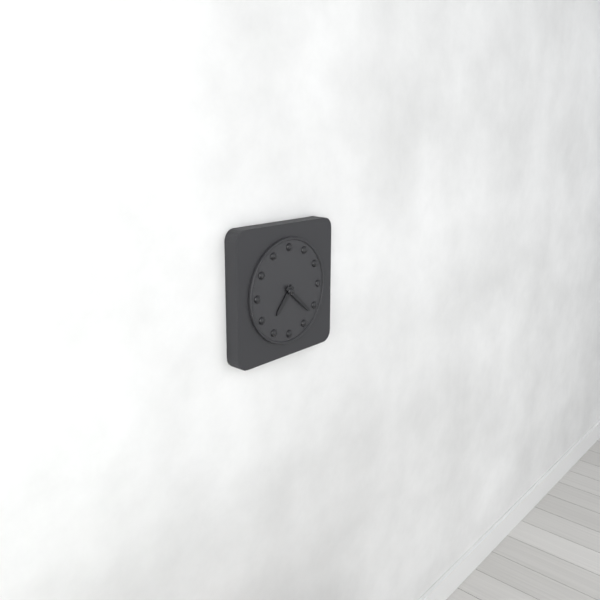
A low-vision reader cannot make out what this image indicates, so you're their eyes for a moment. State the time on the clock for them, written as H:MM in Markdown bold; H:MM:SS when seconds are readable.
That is **7:22**
